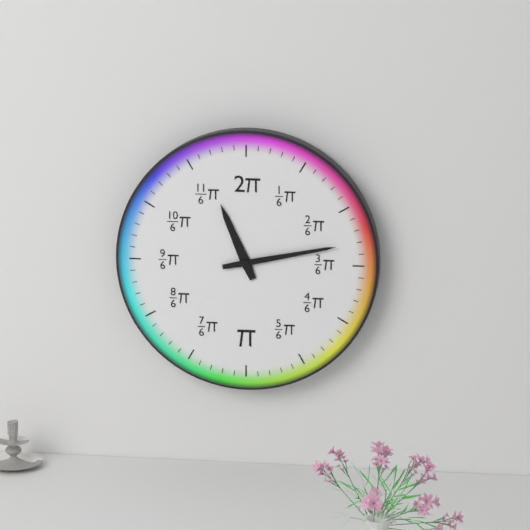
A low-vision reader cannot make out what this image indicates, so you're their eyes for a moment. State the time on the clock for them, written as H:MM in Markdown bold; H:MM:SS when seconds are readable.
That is **11:13**
